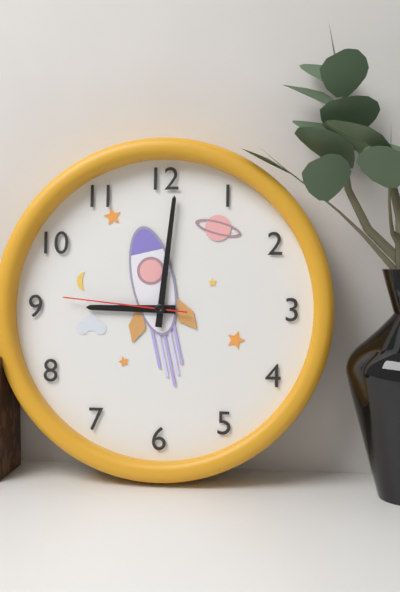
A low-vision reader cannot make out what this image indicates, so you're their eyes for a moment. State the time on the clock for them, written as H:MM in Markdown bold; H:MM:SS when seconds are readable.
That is **9:01:46**
